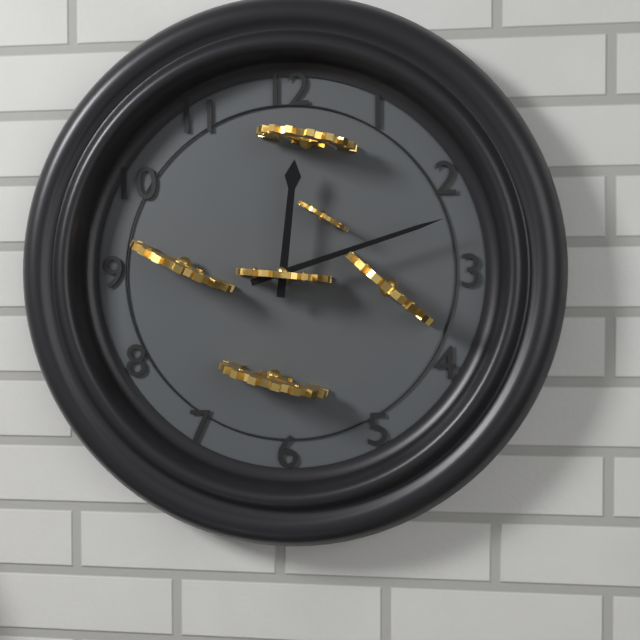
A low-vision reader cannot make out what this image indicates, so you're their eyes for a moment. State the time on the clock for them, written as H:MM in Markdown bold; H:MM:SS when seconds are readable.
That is **12:12**
